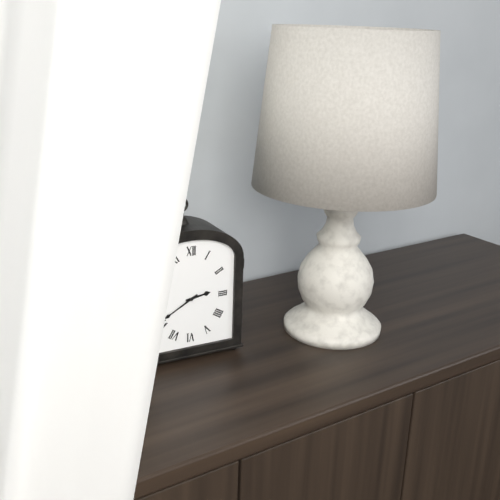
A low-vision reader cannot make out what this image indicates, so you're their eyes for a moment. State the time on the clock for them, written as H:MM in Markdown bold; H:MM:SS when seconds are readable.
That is **2:40**
